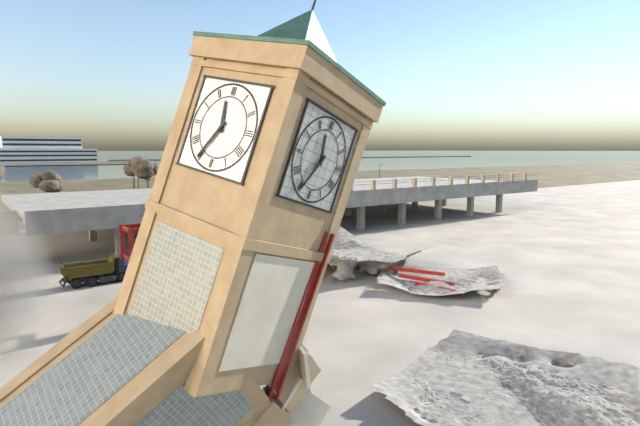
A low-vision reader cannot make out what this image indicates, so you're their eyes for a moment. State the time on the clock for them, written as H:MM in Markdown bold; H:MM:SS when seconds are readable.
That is **11:35**
